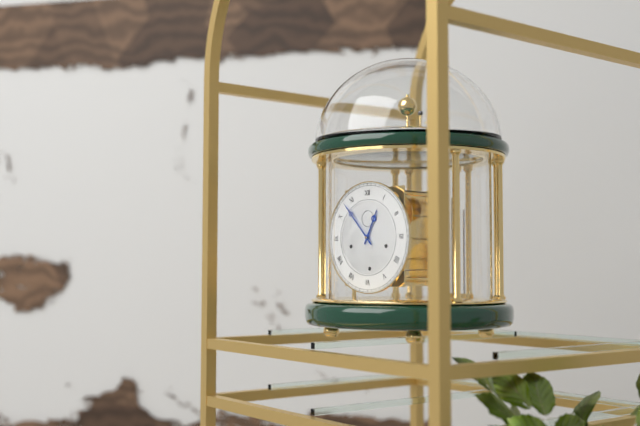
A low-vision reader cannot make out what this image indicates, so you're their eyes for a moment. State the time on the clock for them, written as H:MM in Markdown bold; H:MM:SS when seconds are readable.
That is **12:53**
